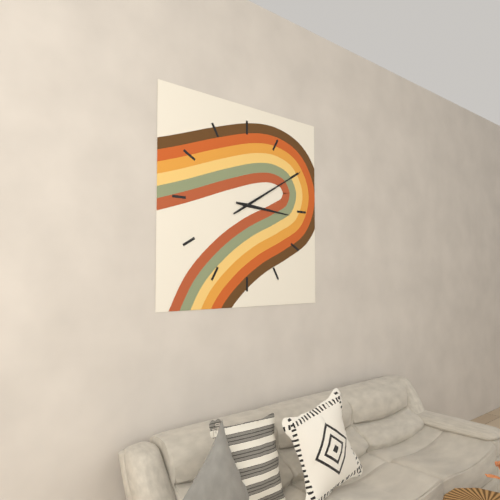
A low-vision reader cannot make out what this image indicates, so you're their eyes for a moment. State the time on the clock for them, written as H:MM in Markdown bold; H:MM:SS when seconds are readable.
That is **3:10**
